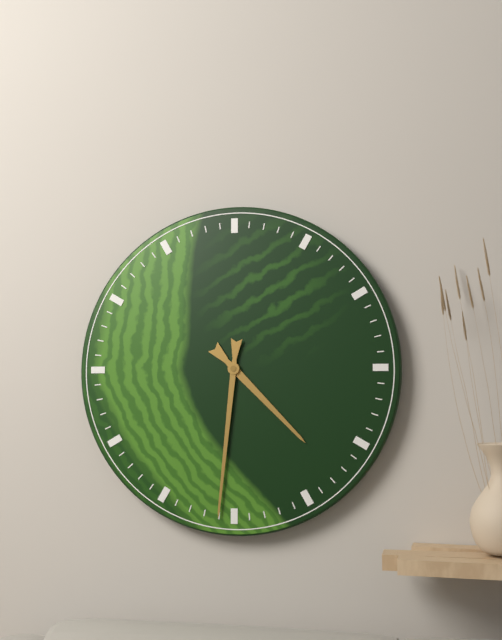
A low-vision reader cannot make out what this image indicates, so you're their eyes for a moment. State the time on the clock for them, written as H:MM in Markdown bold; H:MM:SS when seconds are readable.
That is **4:31**
